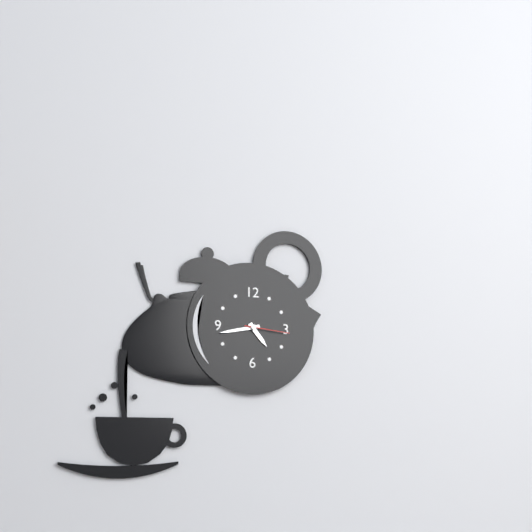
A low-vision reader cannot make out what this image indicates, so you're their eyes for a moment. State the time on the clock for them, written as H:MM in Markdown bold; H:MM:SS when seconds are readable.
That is **4:43**
